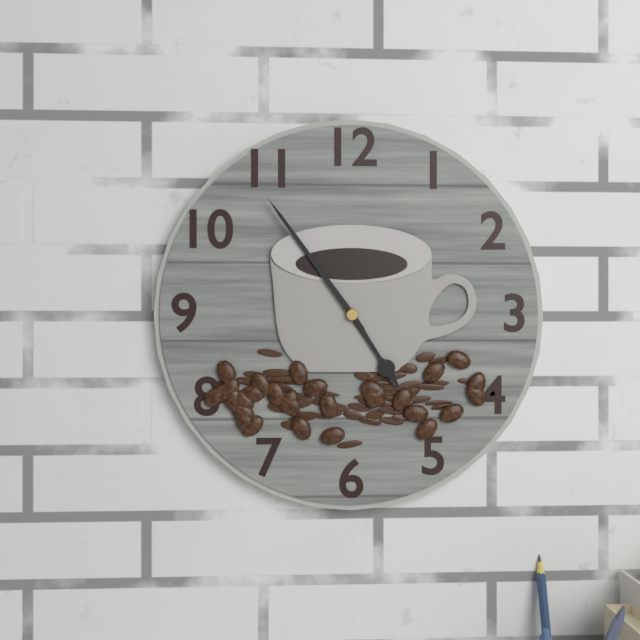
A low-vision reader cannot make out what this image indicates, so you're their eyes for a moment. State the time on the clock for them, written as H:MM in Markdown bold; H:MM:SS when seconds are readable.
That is **4:54**
